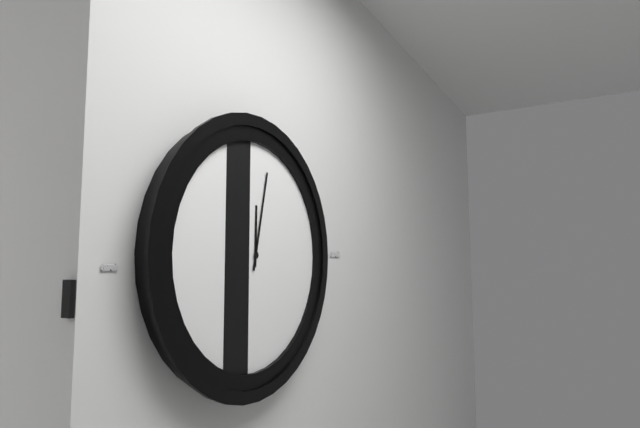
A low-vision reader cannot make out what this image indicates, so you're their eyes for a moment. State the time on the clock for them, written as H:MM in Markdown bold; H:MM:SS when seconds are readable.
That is **12:02**
